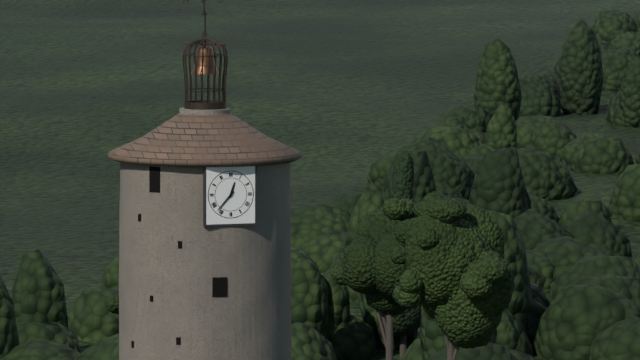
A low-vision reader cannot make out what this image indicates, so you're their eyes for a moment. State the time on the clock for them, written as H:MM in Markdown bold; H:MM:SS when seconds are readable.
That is **12:37**
